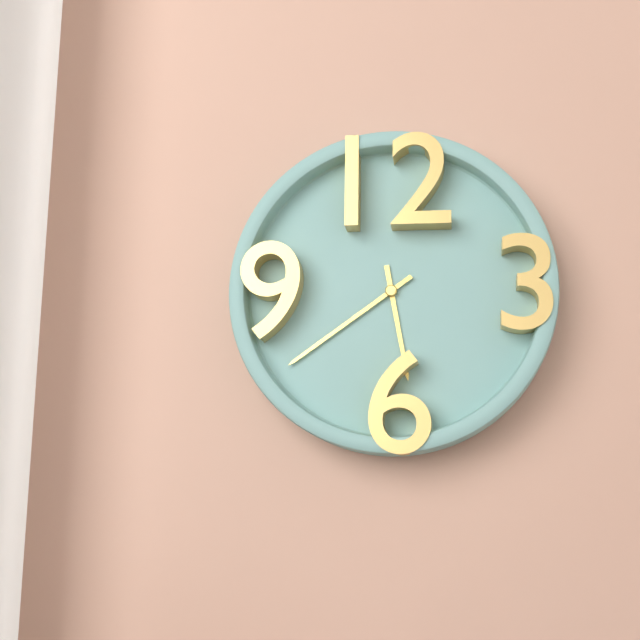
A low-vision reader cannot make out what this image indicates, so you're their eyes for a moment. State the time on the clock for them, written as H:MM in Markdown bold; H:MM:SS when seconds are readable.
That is **5:39**
